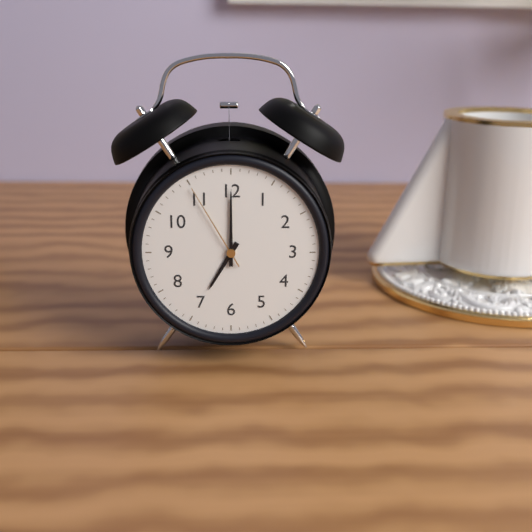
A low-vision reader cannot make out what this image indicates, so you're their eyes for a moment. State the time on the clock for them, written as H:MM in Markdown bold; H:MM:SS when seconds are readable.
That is **7:00:55**
